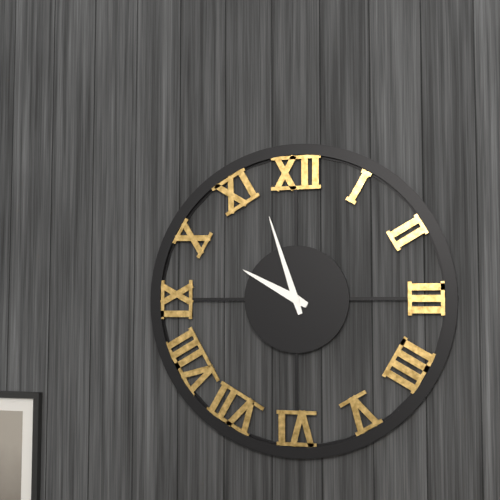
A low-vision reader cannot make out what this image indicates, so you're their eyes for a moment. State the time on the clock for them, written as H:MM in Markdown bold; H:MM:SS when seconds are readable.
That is **9:57**
